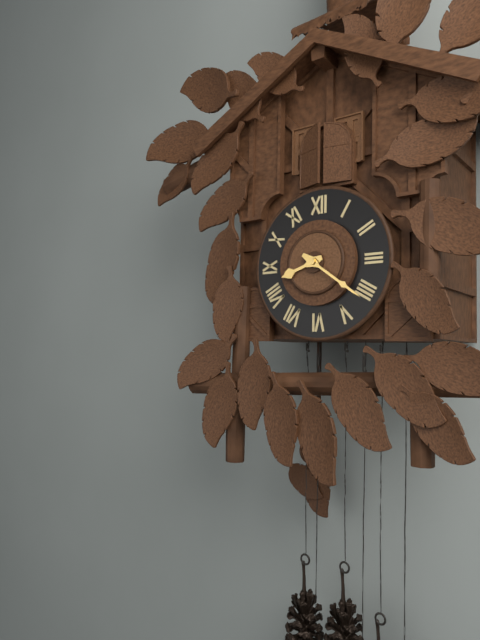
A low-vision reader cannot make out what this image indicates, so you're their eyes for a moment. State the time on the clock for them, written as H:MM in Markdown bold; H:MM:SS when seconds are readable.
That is **8:21**
